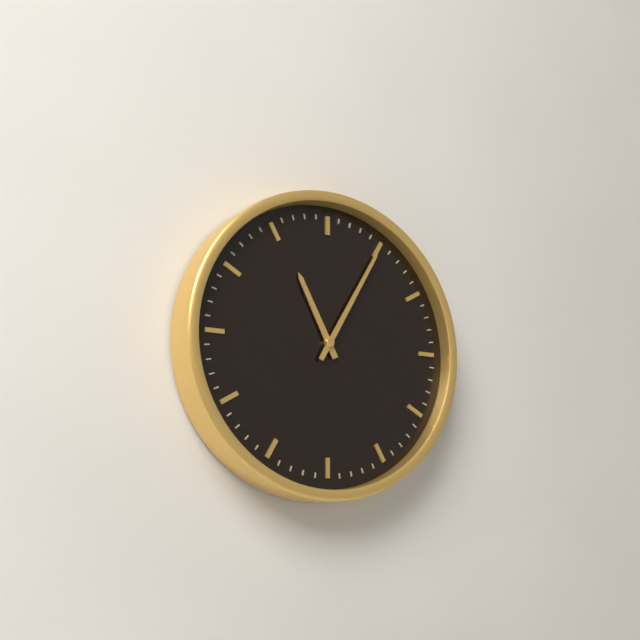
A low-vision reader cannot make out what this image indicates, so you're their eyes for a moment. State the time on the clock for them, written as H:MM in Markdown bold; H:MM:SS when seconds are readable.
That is **11:05**
